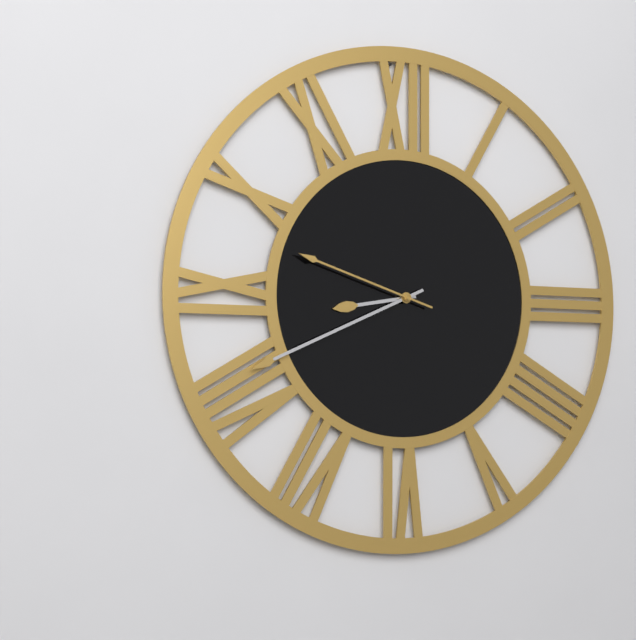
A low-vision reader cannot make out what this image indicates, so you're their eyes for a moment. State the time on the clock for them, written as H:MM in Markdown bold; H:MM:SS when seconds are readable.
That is **8:41:48**
